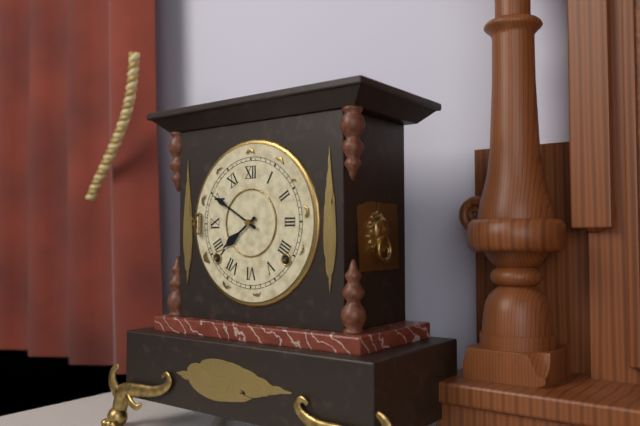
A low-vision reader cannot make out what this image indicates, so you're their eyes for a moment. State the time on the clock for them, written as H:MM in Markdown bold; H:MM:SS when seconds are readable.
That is **7:50**
